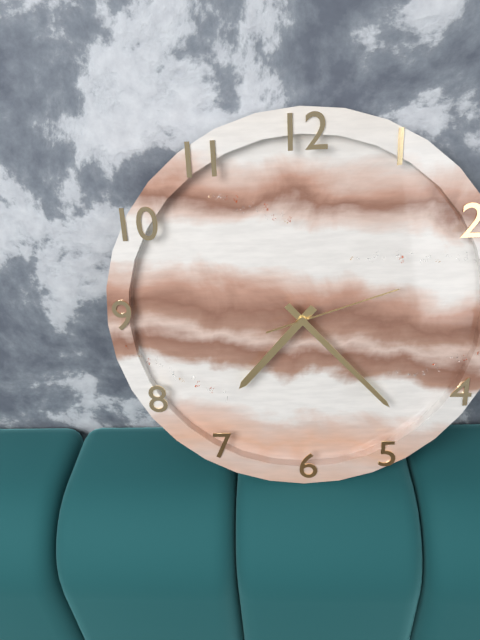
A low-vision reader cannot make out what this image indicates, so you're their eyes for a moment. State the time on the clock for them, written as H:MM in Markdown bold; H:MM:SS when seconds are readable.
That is **7:23:12**
